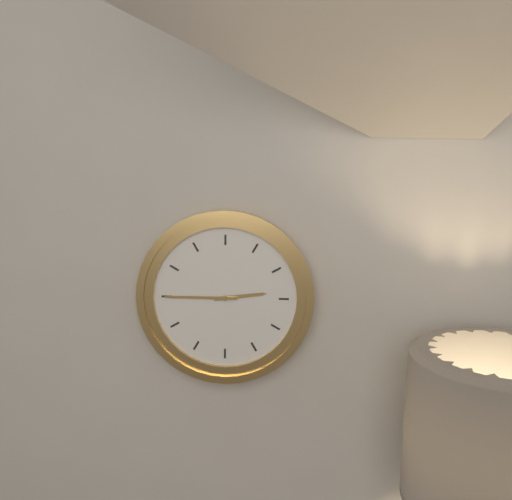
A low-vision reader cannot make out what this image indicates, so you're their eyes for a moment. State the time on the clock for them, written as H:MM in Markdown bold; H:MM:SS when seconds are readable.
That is **2:45**
